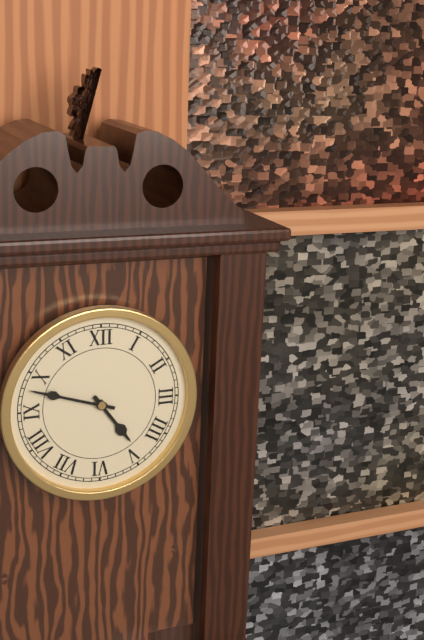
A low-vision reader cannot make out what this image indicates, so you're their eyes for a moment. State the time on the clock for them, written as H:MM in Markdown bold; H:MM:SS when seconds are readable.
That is **4:48**
